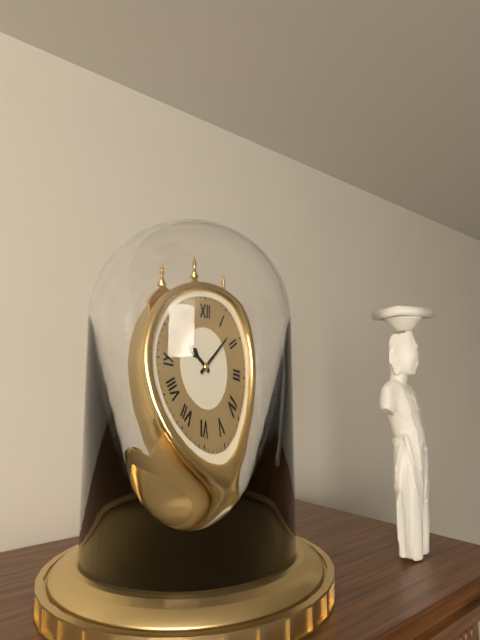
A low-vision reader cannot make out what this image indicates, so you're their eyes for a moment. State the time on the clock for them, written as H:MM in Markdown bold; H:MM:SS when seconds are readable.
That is **10:08**
